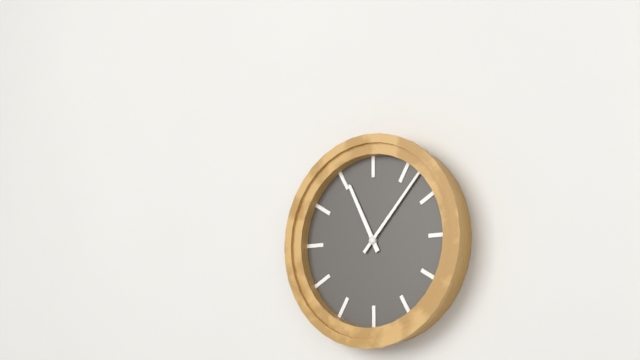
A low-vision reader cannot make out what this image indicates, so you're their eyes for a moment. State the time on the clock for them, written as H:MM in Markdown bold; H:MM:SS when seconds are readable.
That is **11:07**
